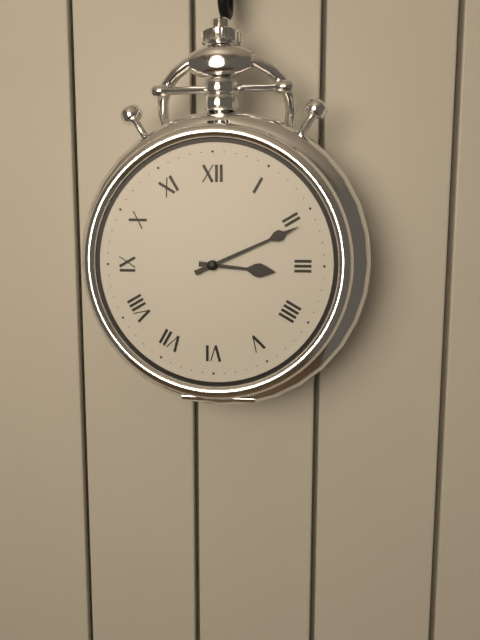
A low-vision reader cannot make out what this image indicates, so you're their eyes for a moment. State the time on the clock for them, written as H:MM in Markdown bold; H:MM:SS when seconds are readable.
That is **3:11**
